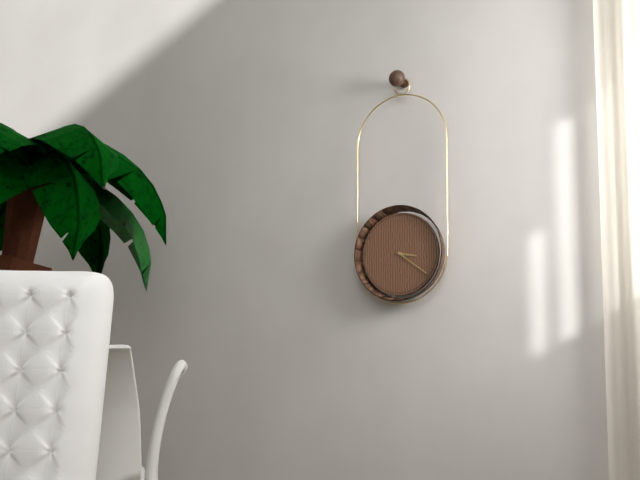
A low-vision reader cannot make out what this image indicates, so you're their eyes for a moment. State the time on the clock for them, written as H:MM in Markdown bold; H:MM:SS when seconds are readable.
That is **3:21**
